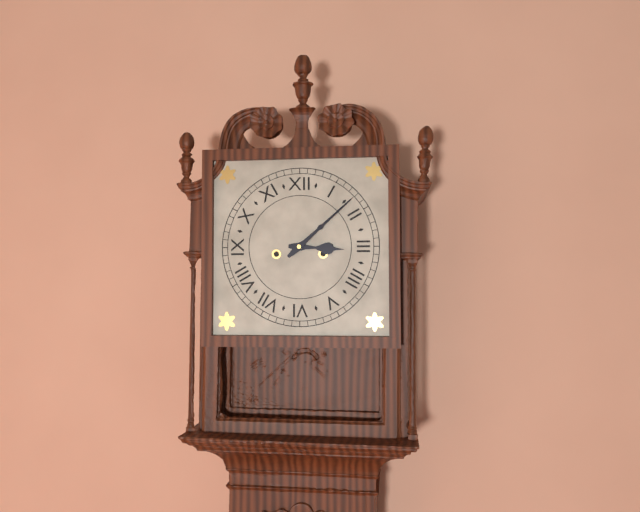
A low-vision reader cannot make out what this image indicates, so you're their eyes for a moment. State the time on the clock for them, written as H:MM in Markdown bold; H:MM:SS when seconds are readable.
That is **3:08**
